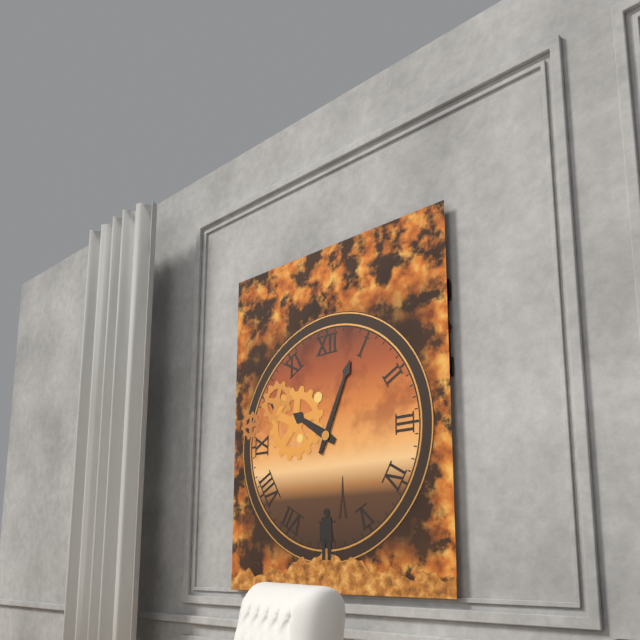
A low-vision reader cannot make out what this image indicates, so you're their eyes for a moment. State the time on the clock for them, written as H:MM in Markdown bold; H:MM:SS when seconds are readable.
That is **10:04**
